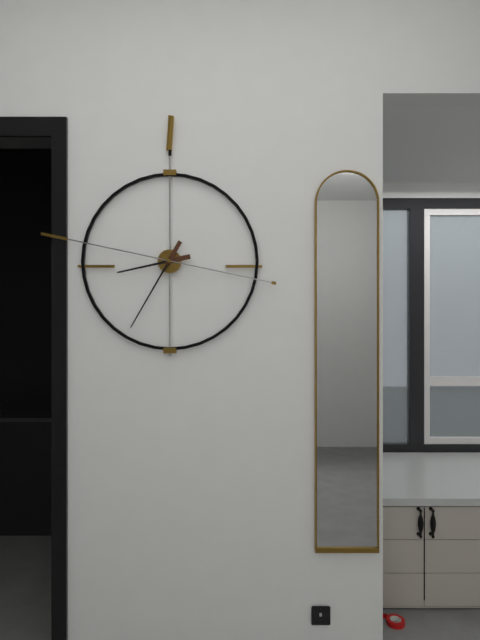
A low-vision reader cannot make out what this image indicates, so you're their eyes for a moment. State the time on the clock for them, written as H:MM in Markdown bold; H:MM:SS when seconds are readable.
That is **8:35:47**
